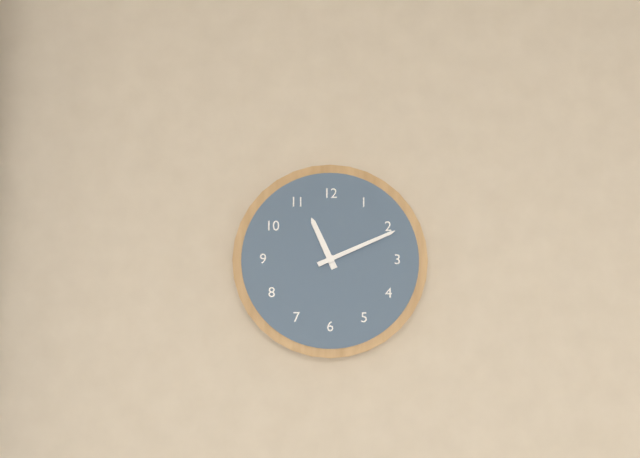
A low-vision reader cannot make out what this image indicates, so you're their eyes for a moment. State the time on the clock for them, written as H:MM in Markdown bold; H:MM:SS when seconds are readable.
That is **11:11**
